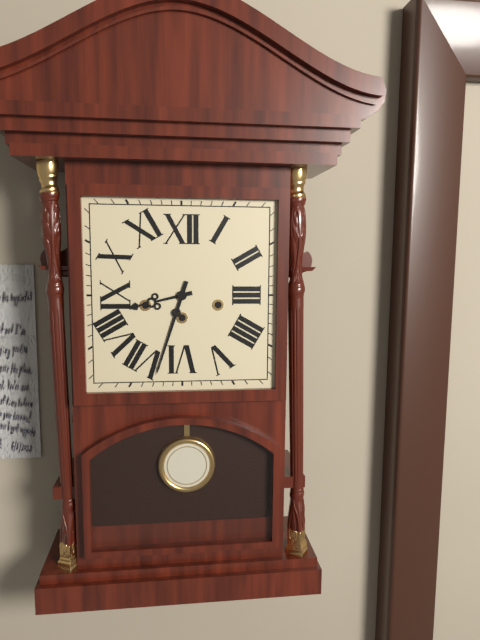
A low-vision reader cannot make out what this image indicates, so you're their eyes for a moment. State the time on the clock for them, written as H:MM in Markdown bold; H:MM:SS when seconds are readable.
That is **8:33**
